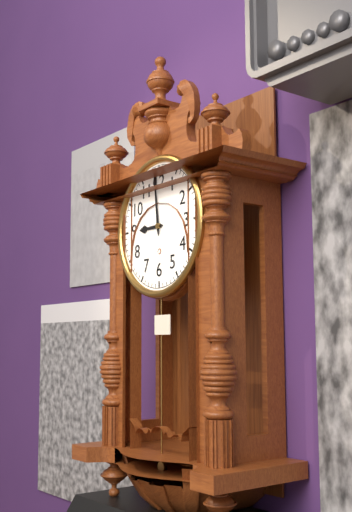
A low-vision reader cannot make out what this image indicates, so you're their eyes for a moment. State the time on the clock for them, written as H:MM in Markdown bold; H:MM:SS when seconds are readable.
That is **8:59**
